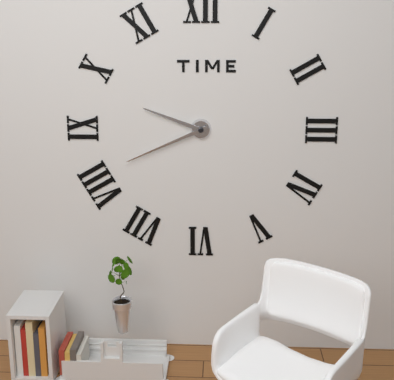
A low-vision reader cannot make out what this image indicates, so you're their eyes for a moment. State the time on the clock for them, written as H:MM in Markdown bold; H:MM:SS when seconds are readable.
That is **9:41**
